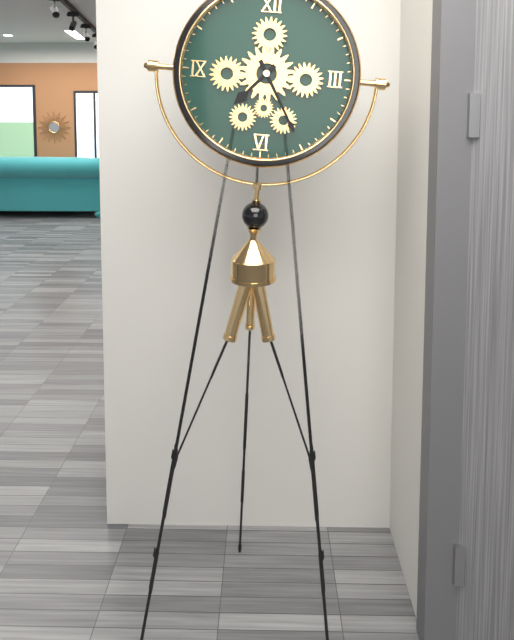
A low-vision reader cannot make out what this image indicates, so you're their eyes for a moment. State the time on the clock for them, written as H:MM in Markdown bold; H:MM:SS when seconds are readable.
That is **7:25**
